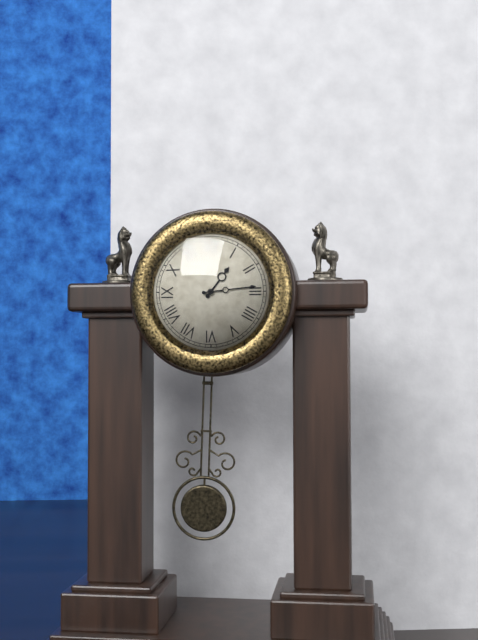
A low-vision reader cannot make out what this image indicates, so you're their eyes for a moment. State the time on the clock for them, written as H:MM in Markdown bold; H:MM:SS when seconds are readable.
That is **1:14**
